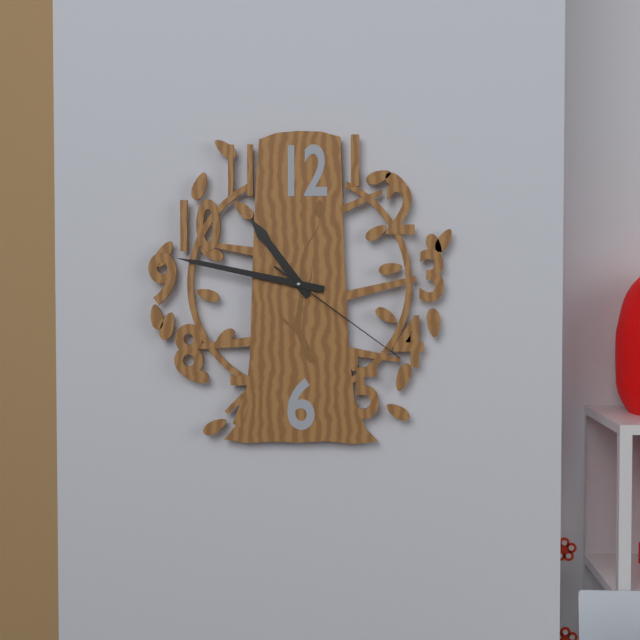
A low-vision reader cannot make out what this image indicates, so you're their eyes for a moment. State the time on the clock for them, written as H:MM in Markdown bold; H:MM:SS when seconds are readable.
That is **10:47:21**
